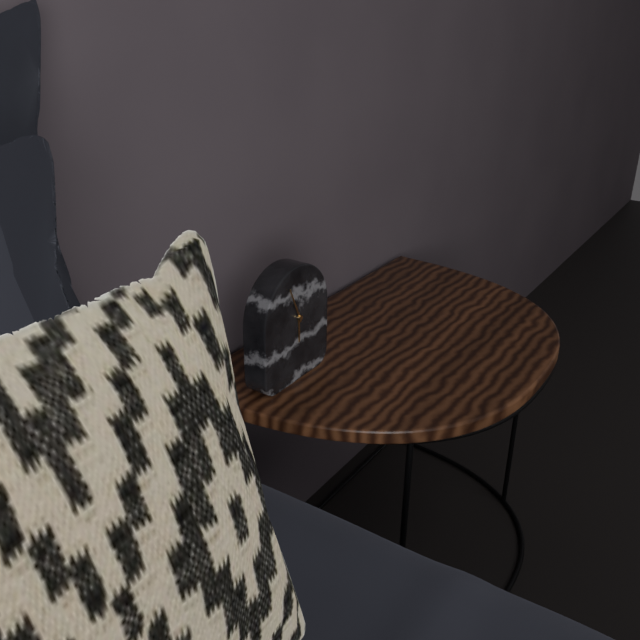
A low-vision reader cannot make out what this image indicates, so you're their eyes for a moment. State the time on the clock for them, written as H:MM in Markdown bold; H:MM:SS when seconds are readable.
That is **5:56**
